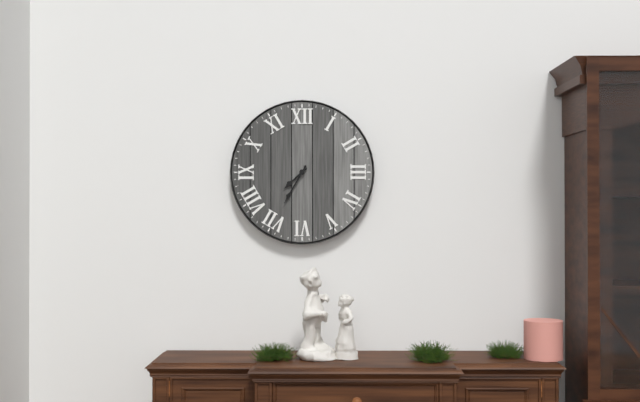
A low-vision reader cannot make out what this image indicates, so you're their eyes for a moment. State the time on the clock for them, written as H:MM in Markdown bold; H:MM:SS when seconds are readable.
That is **7:35**
